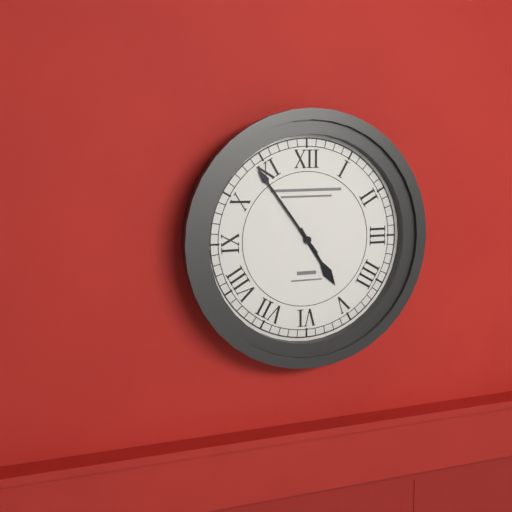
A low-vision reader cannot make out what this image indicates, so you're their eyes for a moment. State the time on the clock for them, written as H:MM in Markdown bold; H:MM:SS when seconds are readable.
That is **4:54**
